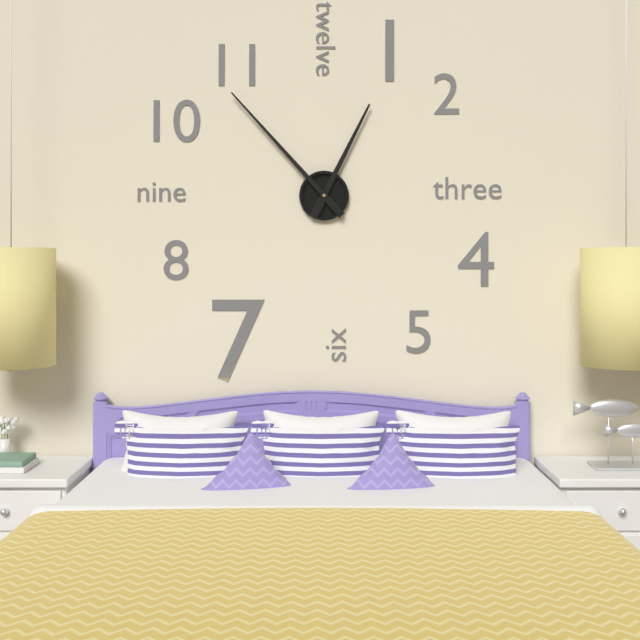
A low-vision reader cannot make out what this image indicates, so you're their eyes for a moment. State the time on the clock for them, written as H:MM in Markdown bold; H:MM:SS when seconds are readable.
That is **12:53**
